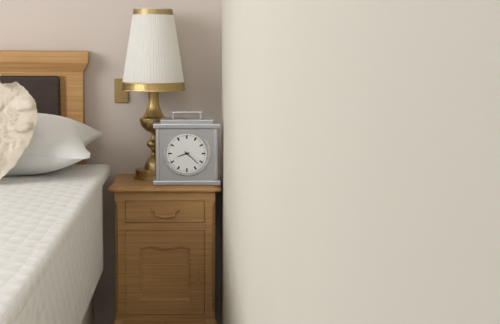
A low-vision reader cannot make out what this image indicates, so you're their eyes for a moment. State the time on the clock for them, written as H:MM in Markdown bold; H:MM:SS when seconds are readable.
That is **8:22**
